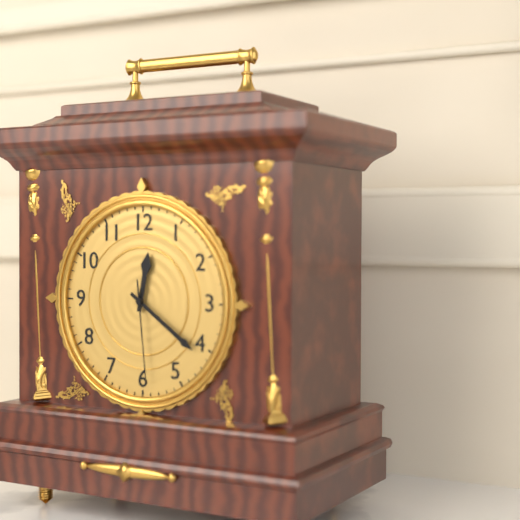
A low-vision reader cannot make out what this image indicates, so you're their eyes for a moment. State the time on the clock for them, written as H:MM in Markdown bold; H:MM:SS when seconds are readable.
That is **12:21:29**
